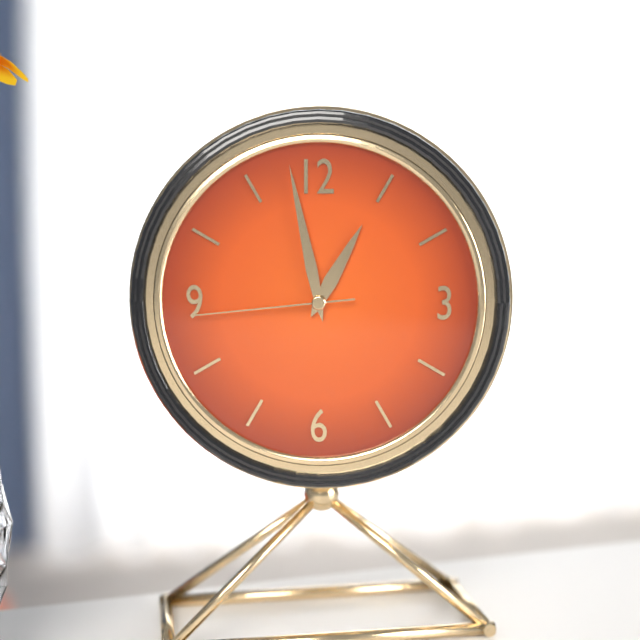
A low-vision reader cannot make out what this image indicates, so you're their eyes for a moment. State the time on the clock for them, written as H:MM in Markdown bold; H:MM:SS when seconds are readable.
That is **12:58:44**
